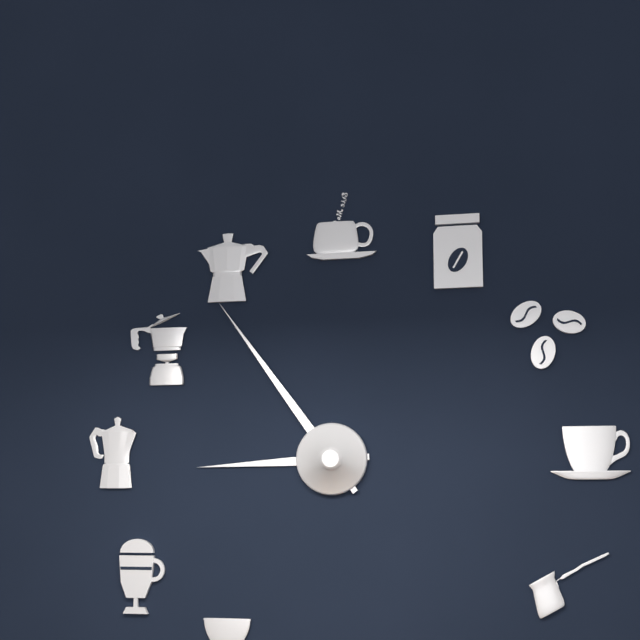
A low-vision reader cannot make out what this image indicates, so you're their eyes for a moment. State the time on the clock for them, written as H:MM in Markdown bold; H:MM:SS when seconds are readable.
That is **8:54**
